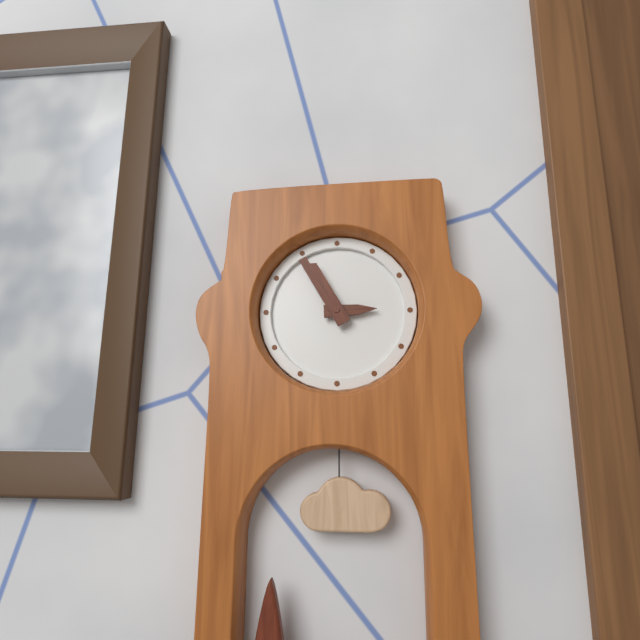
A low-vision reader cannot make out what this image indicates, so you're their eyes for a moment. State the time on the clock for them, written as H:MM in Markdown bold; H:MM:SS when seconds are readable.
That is **2:55**
